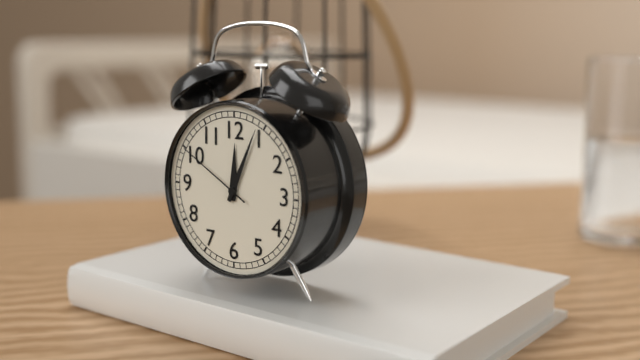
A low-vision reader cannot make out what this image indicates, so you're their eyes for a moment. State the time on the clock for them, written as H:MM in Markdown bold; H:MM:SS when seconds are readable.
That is **12:04:50**
